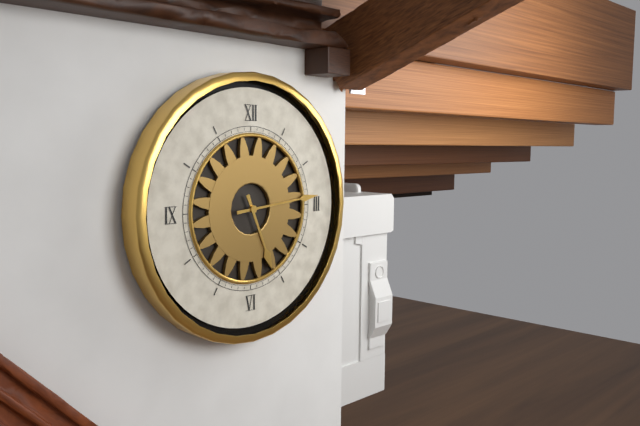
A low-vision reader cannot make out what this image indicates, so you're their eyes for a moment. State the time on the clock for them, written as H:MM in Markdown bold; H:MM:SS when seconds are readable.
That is **5:14**
